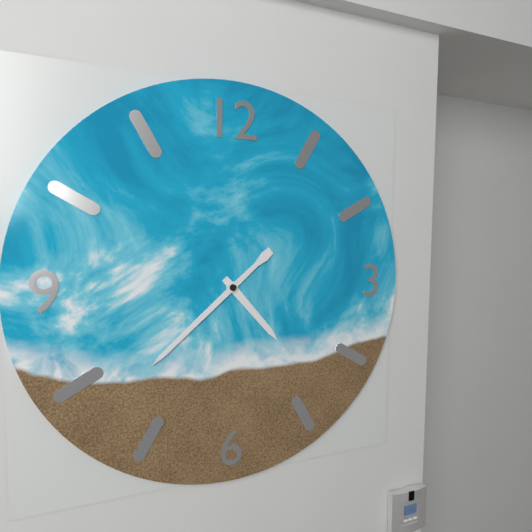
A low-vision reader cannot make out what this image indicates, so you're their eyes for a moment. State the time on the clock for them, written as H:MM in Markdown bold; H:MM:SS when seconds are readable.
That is **4:38**
